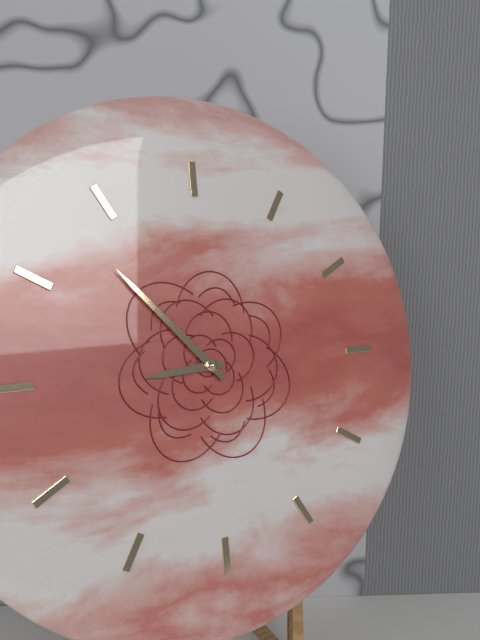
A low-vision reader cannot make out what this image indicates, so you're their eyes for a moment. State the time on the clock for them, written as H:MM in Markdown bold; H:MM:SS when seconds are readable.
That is **8:53**
